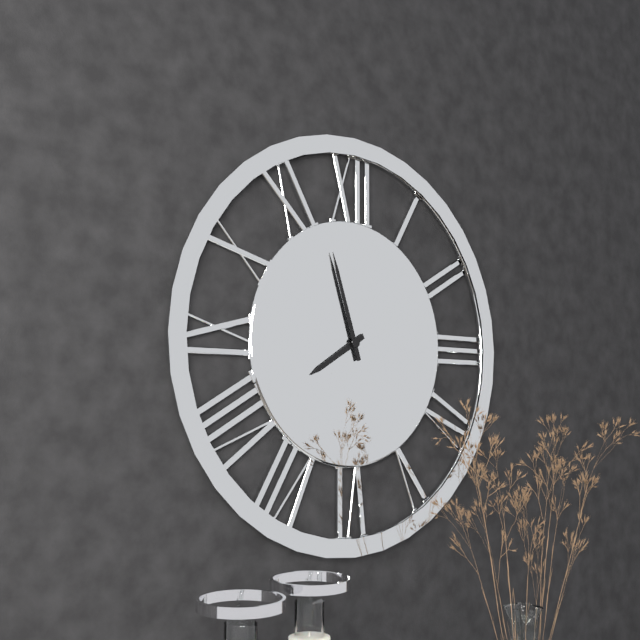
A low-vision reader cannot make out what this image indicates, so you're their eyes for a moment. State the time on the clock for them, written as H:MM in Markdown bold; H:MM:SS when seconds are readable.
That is **7:57**
